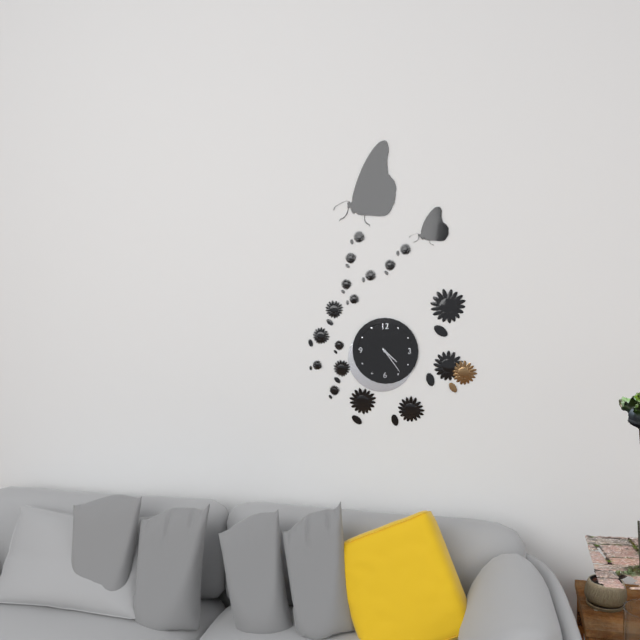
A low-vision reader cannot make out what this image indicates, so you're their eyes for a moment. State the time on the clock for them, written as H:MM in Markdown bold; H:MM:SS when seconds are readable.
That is **4:24**
